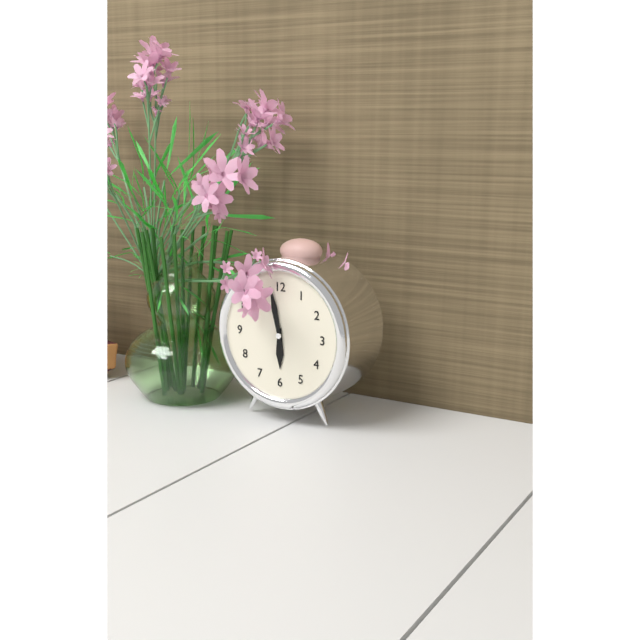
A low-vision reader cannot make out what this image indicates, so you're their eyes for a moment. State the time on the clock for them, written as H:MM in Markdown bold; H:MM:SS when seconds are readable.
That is **5:58**
